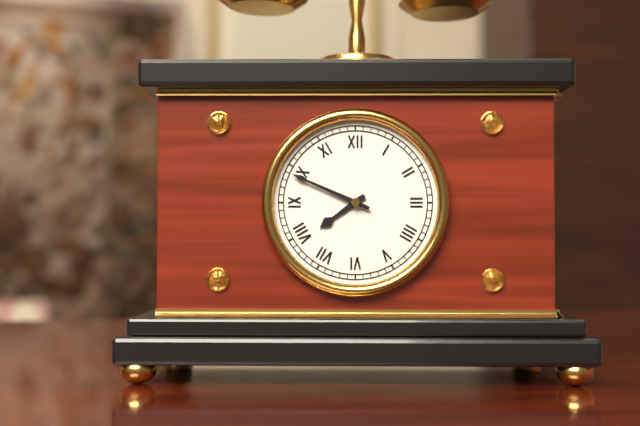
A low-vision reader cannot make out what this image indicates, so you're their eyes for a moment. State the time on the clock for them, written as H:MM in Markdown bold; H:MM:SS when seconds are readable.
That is **7:49**
